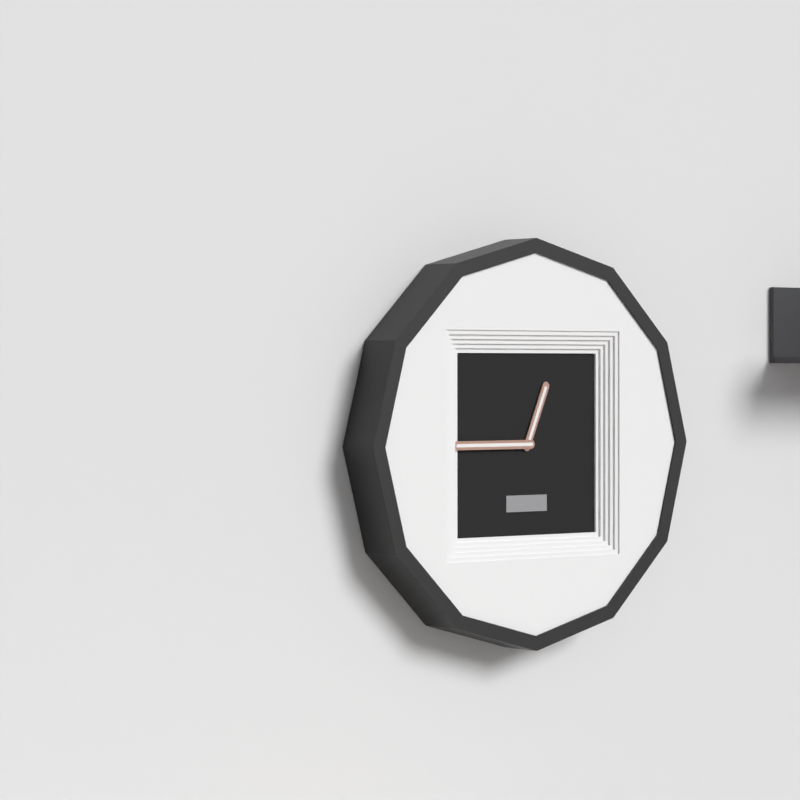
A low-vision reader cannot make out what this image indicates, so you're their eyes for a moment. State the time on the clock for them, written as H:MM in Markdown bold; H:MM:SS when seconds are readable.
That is **12:45**
